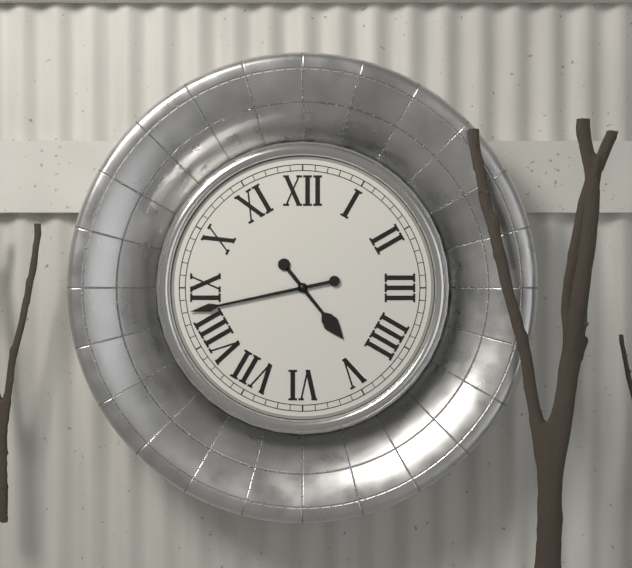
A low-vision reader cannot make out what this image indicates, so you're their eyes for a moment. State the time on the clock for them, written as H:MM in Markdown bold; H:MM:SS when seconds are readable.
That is **4:43**
